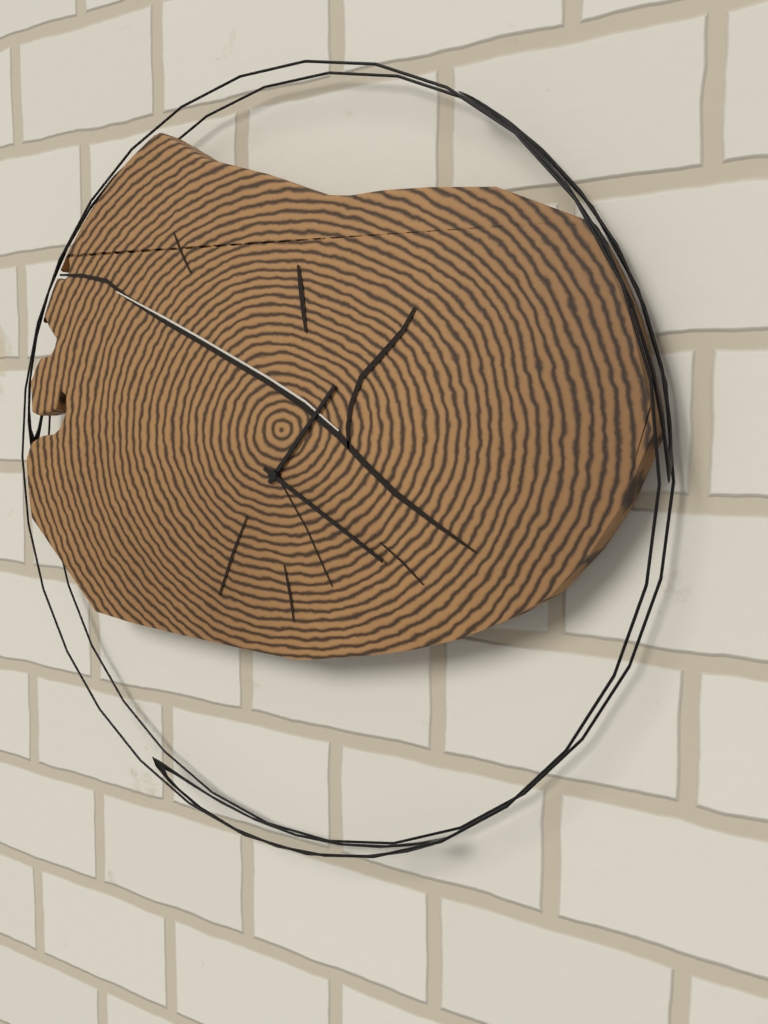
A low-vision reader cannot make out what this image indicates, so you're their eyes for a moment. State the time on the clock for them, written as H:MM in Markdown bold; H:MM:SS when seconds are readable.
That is **1:20**
